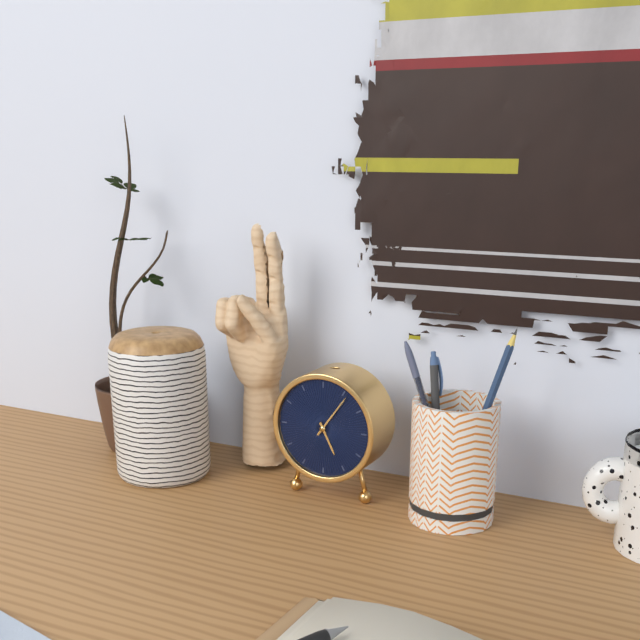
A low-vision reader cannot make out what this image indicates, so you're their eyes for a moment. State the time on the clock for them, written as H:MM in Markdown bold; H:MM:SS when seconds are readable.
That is **5:06**
